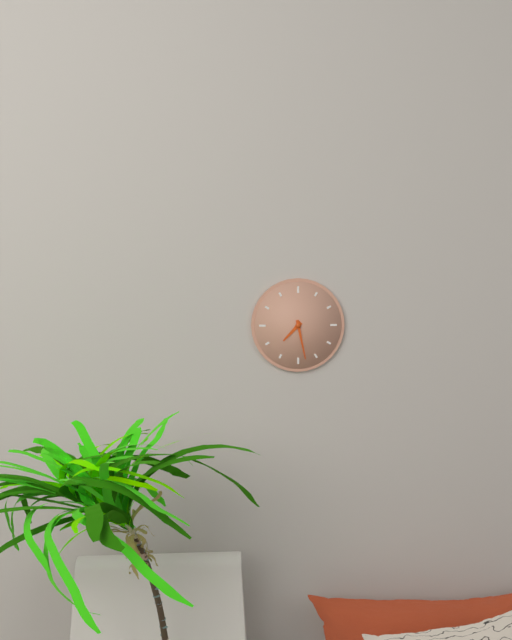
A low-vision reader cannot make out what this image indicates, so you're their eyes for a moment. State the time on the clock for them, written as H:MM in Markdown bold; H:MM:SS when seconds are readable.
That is **7:28**
